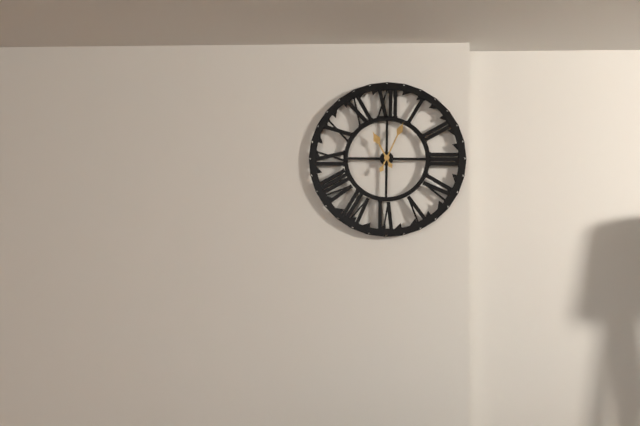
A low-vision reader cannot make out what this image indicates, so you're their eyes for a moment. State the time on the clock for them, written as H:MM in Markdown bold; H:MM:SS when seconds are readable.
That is **11:04**
